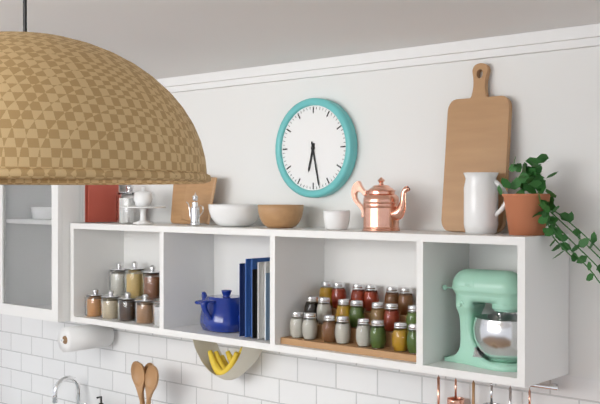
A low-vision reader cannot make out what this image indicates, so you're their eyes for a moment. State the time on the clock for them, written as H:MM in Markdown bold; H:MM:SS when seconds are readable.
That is **6:28**
